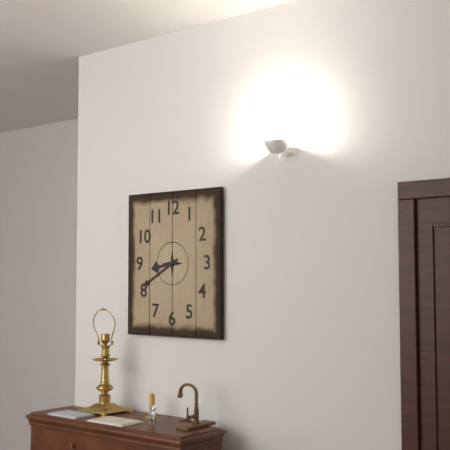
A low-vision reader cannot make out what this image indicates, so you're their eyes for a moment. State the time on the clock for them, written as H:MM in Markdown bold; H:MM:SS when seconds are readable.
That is **8:40**
